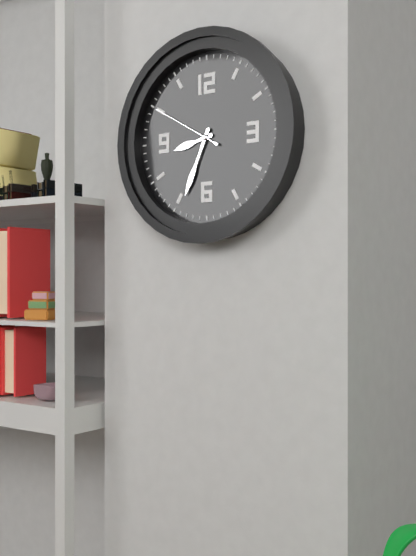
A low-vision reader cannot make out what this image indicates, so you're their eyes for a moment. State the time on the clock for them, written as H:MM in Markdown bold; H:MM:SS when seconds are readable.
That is **8:34:50**
